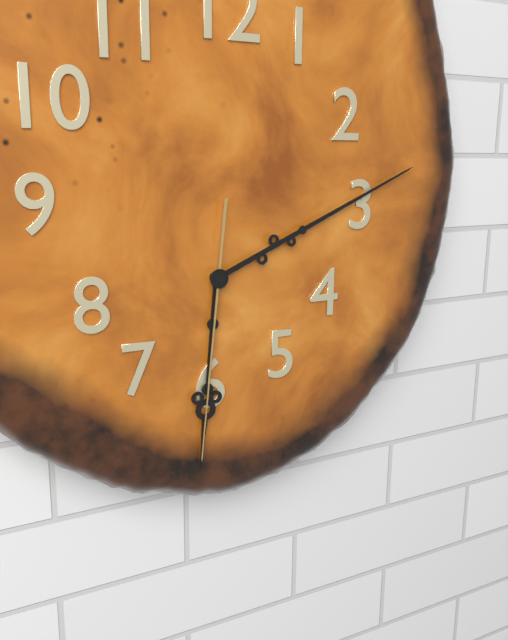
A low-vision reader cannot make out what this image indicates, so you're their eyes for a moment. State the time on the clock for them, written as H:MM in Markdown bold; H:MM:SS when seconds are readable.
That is **6:11:31**
